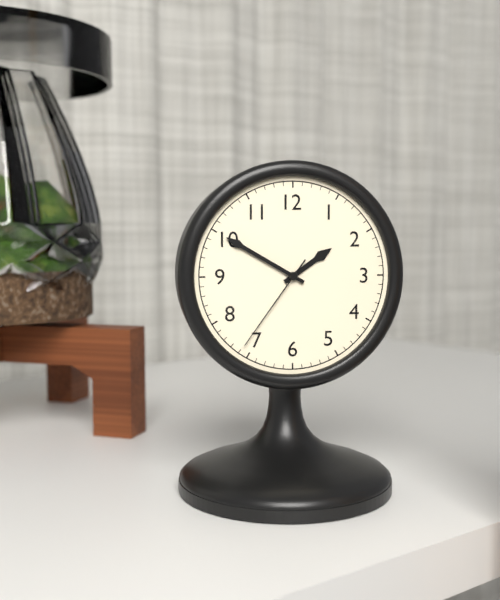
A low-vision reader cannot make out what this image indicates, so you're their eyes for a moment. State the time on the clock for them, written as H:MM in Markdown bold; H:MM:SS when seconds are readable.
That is **1:50:36**
